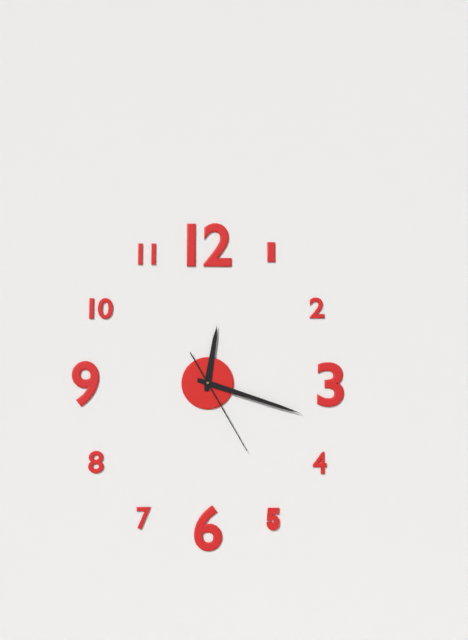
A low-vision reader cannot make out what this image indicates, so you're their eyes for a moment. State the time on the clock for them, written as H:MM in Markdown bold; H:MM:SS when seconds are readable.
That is **12:18:25**
